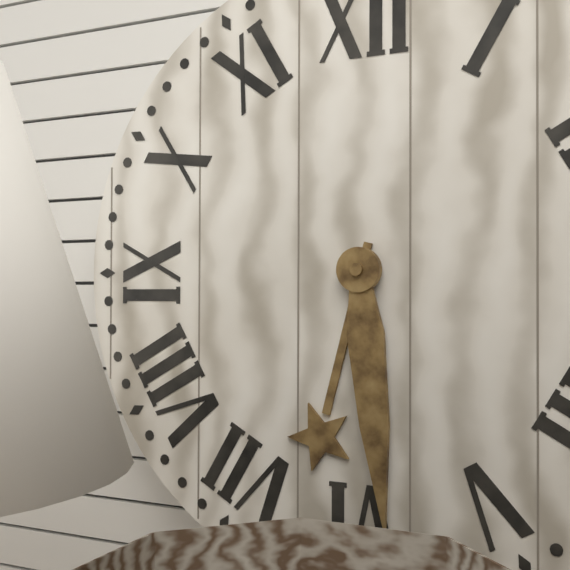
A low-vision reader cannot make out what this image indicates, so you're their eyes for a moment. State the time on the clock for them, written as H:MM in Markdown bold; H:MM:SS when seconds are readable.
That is **6:29**
